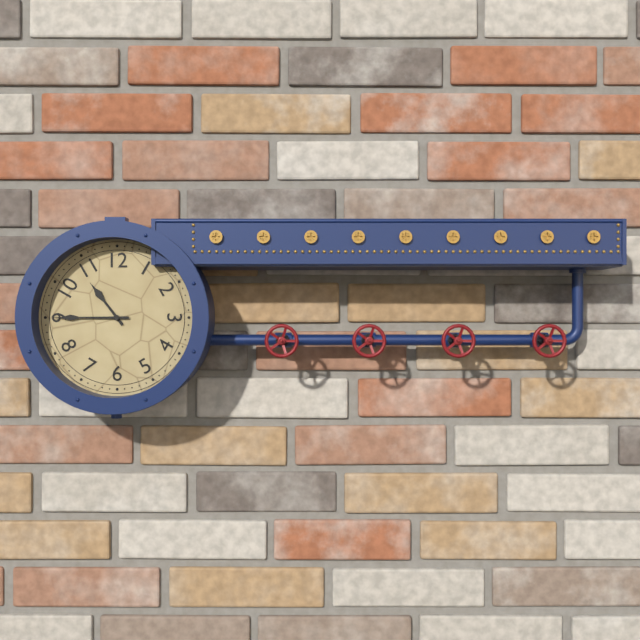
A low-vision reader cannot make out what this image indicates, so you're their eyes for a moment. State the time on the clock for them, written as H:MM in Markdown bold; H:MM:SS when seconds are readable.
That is **10:45**
